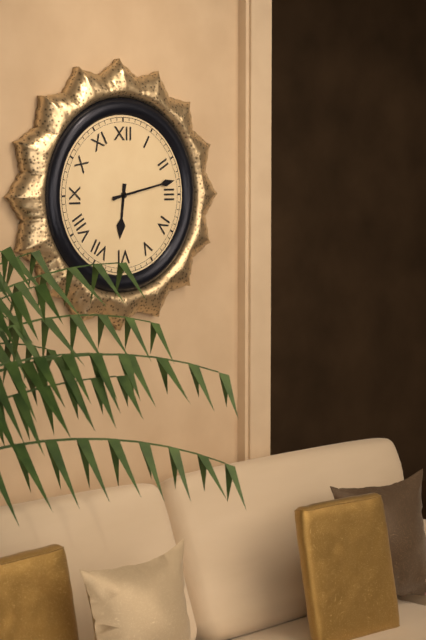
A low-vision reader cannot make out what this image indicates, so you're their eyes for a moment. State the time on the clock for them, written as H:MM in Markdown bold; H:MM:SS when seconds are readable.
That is **6:13**
